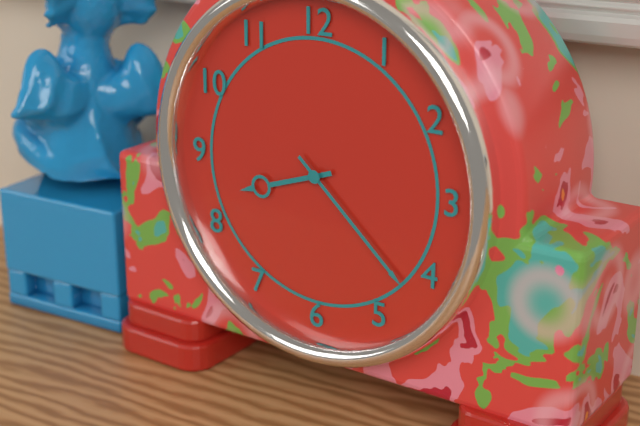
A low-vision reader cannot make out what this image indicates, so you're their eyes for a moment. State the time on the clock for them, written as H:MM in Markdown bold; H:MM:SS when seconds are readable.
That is **8:22**
